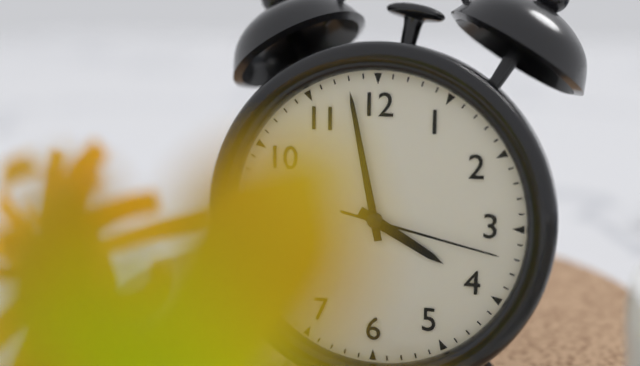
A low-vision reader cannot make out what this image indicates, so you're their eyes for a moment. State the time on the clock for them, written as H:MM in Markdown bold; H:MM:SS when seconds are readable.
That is **3:58:17**
